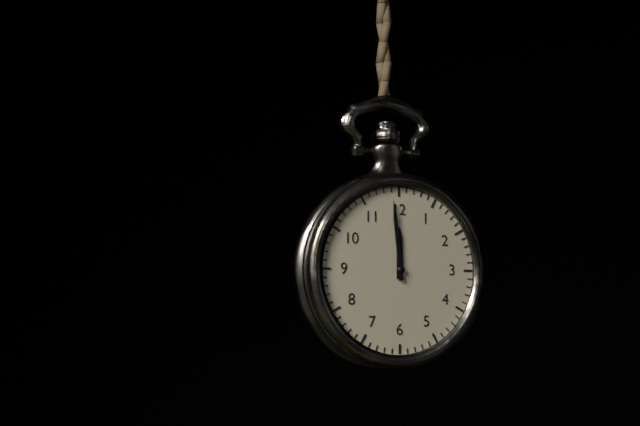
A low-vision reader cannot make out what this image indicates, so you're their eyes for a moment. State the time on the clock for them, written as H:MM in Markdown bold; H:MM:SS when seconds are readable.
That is **11:59**
